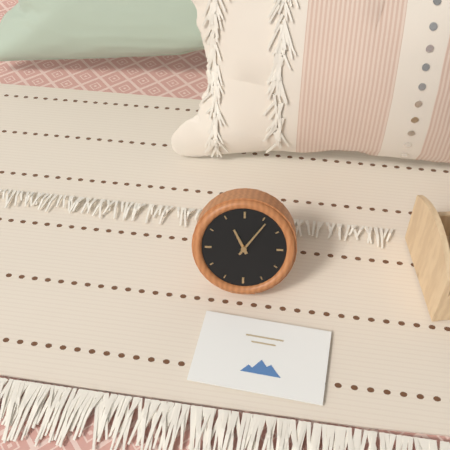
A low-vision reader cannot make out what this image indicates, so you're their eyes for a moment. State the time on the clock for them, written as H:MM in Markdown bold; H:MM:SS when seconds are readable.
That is **11:06**
